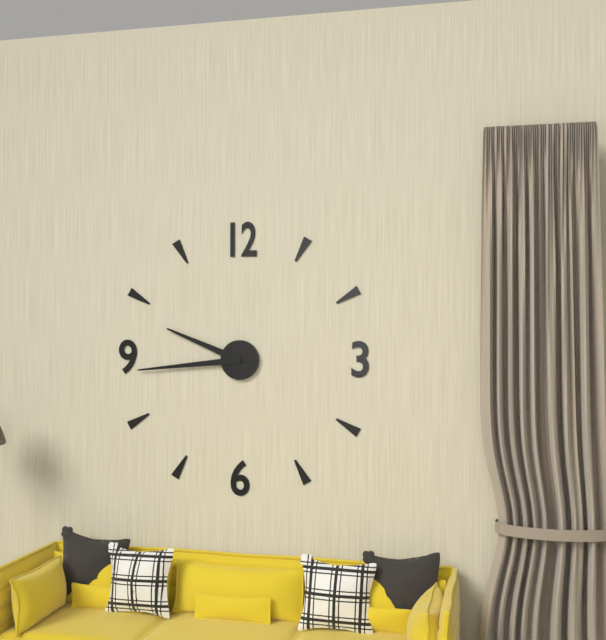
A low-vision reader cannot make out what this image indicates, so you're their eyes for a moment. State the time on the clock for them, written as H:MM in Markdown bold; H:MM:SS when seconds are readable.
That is **9:44**
